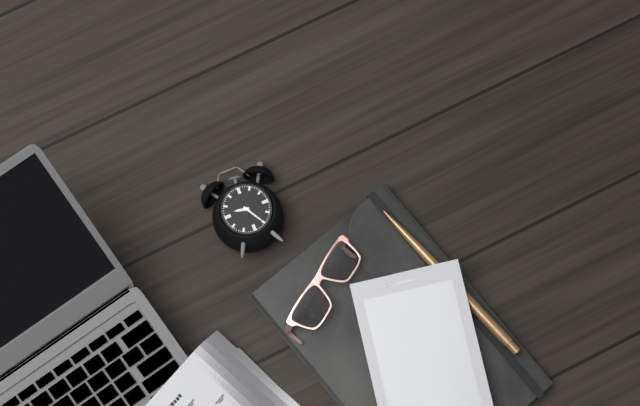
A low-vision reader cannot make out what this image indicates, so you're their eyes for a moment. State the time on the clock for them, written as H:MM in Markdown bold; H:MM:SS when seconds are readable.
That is **9:25**
